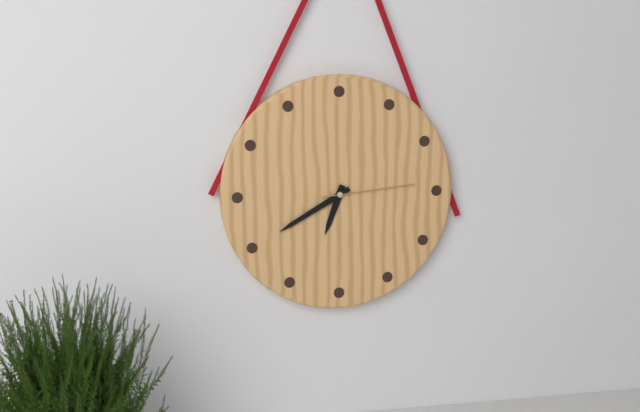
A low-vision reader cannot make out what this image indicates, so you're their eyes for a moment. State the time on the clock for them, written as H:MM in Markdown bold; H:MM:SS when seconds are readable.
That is **6:40:14**
